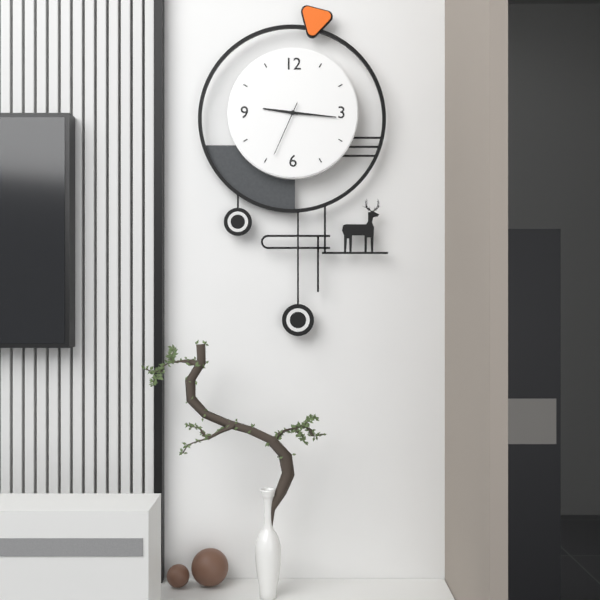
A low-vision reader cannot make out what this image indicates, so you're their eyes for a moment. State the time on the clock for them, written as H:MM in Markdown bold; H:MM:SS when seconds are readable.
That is **9:16:34**
